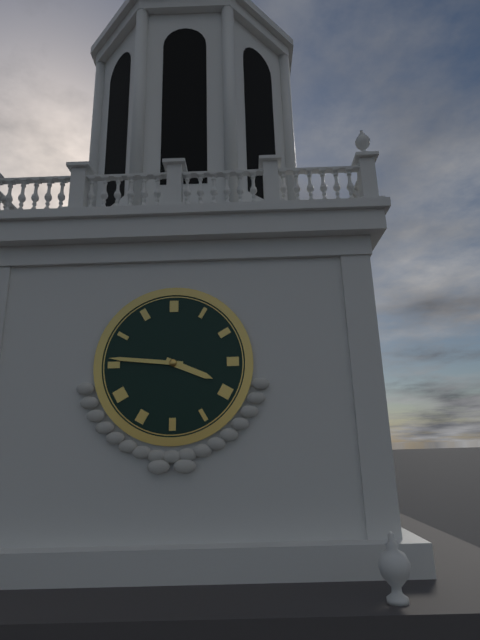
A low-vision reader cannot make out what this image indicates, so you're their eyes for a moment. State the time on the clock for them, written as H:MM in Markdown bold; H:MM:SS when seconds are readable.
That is **3:46**
